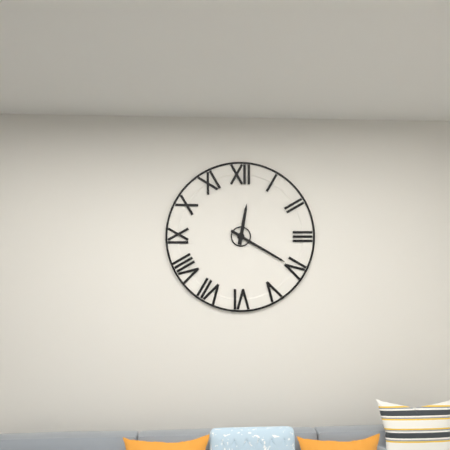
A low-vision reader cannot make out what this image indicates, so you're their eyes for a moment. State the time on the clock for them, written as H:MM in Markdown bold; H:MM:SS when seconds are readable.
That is **12:20**
